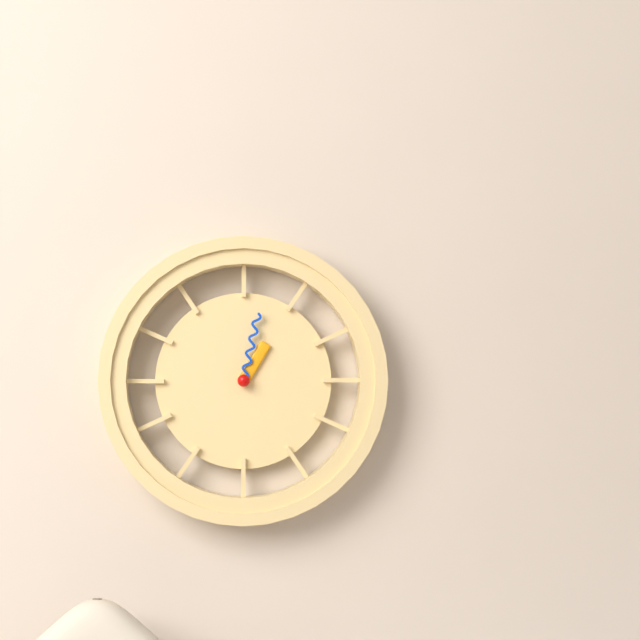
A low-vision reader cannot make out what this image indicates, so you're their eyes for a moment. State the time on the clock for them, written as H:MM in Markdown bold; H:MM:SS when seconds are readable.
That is **1:02**
